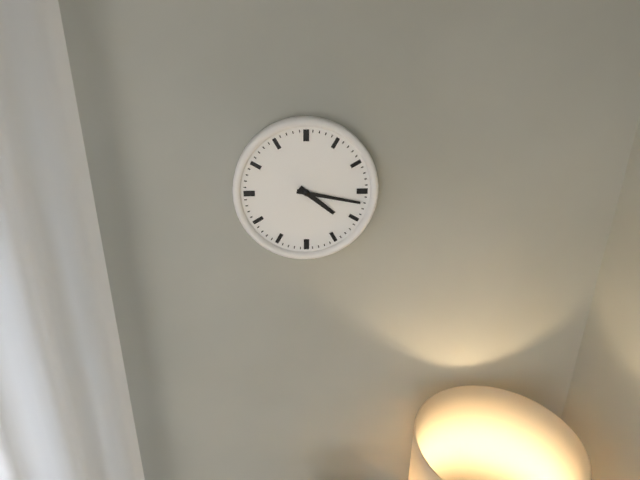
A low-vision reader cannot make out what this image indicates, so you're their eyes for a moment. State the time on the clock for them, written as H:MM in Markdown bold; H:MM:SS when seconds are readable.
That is **4:17**
